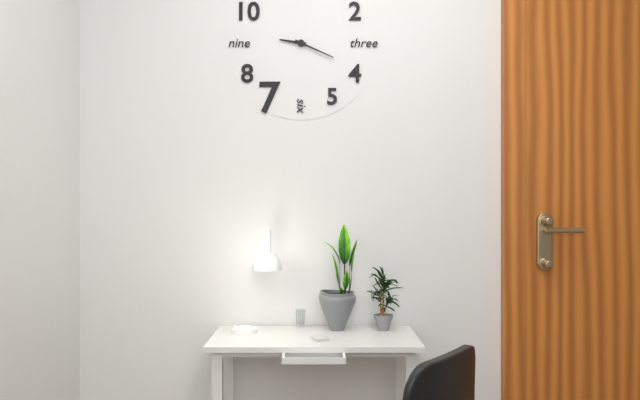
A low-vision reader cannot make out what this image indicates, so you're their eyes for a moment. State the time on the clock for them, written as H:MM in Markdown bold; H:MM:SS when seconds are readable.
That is **9:19**
